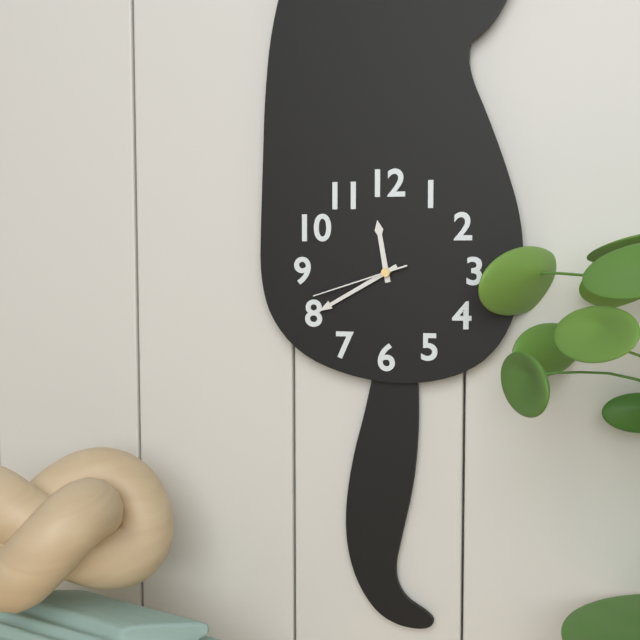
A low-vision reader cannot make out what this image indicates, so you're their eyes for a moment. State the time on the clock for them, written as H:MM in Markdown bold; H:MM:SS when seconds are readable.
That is **11:40:42**
